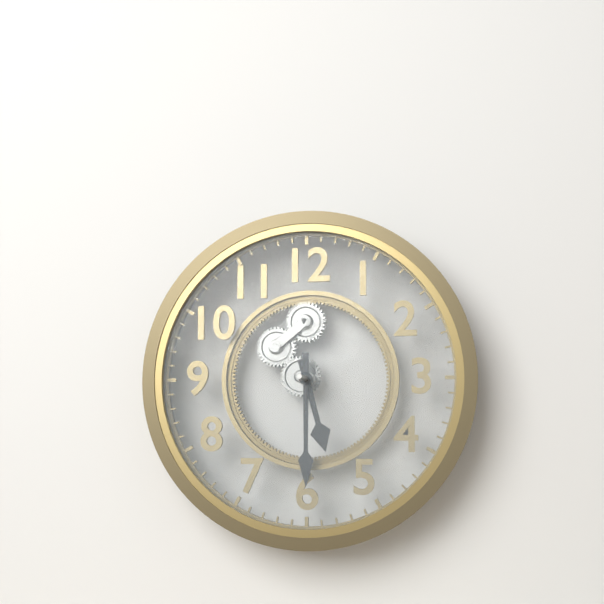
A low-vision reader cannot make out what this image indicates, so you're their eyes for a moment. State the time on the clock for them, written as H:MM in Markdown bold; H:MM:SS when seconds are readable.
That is **5:30**
